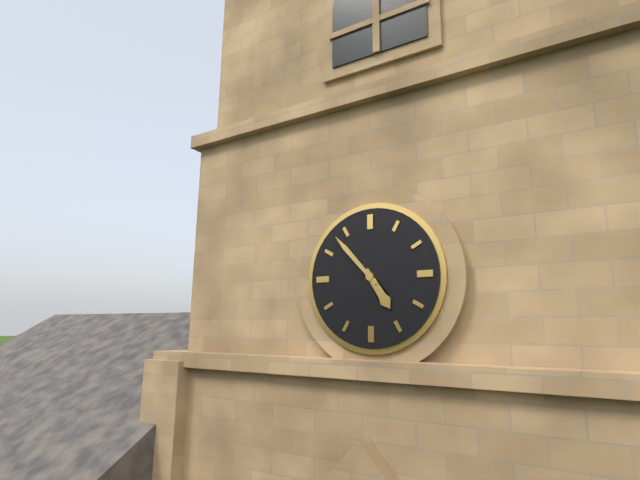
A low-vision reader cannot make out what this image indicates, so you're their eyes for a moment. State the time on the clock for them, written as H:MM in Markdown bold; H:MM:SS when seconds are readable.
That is **4:53**
